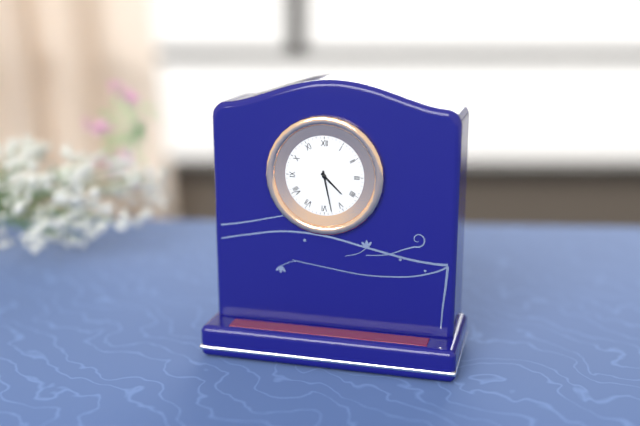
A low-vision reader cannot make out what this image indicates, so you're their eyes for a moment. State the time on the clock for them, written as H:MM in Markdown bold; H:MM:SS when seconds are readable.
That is **4:28**
